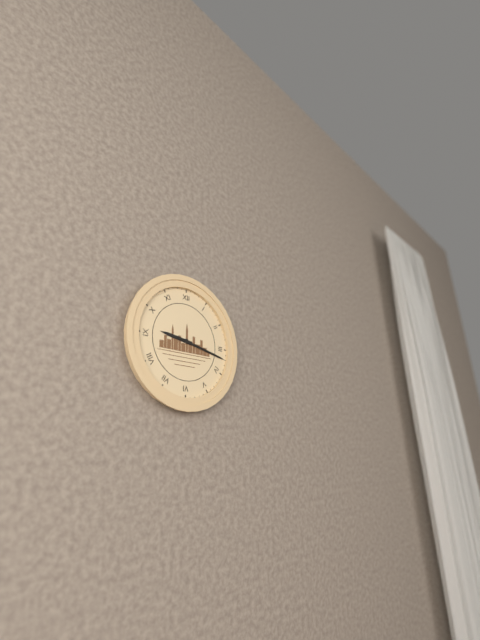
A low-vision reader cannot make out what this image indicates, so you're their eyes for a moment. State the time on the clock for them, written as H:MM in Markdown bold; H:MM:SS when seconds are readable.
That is **9:17**
